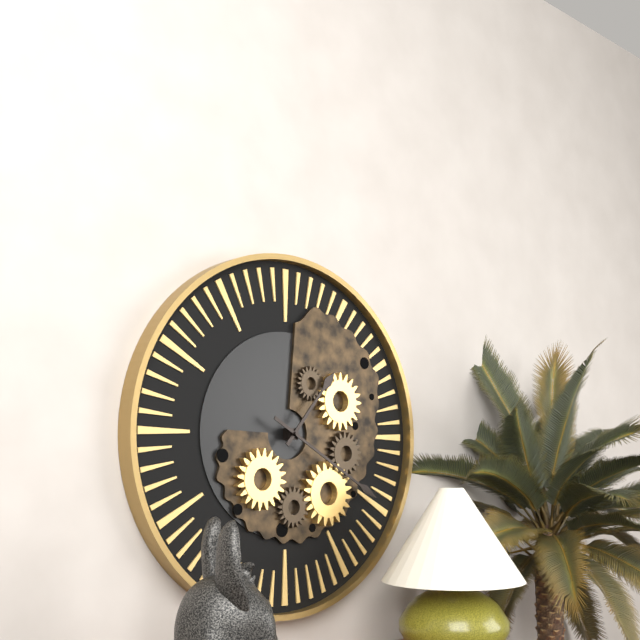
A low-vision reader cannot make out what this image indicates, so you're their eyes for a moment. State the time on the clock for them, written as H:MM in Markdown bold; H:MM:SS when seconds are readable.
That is **1:20**
